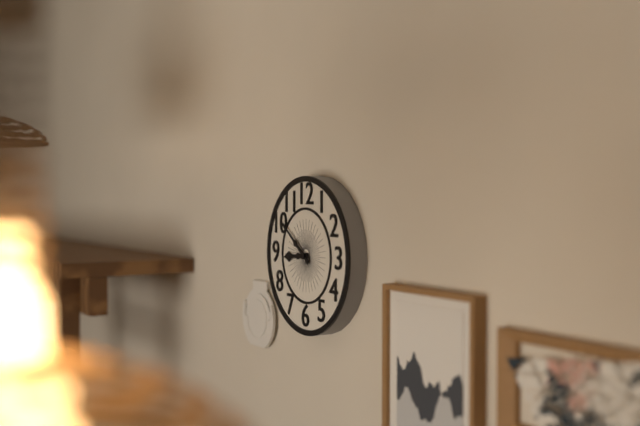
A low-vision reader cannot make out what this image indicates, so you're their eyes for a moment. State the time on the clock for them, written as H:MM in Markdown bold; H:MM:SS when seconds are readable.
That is **8:51**
